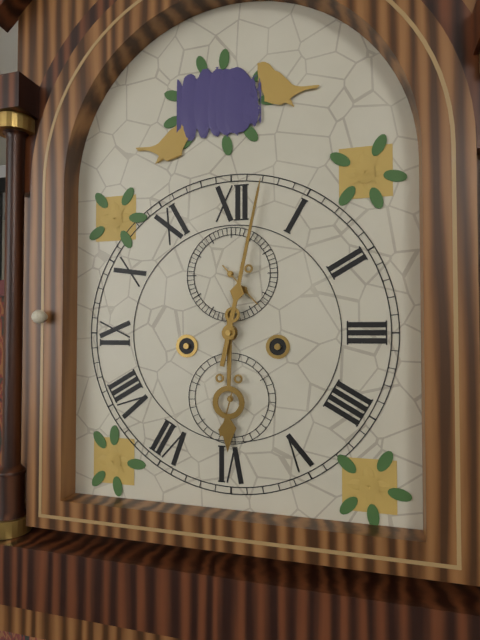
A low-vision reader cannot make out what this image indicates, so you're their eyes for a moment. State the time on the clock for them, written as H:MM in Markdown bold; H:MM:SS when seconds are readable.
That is **6:02**
